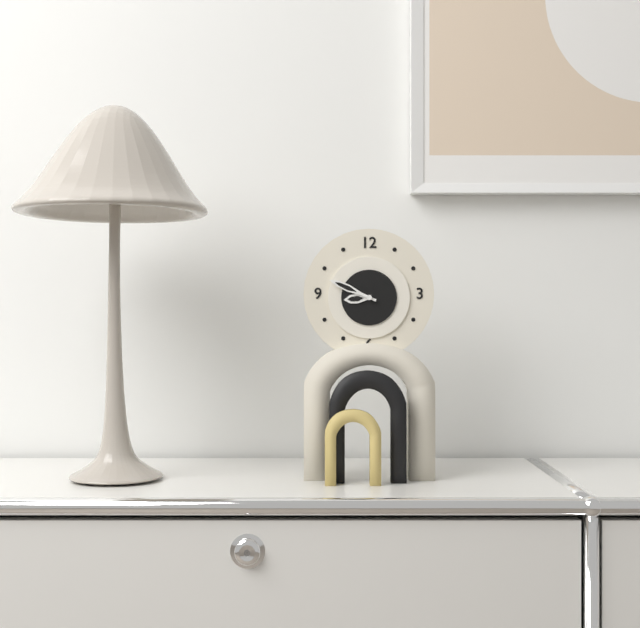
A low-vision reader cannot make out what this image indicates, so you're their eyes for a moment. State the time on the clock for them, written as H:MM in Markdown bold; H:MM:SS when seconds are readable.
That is **8:49**
